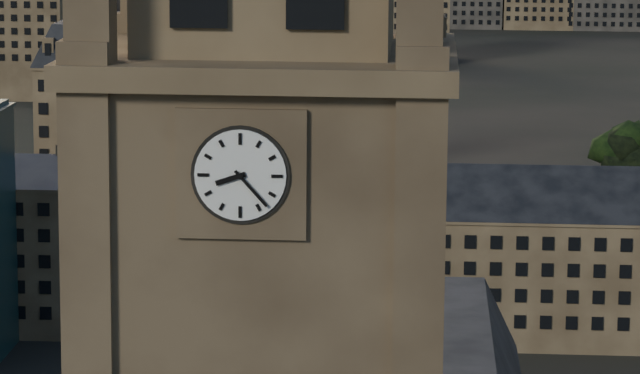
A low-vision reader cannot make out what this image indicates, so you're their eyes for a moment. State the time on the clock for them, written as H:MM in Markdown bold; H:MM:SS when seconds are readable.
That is **8:23**
